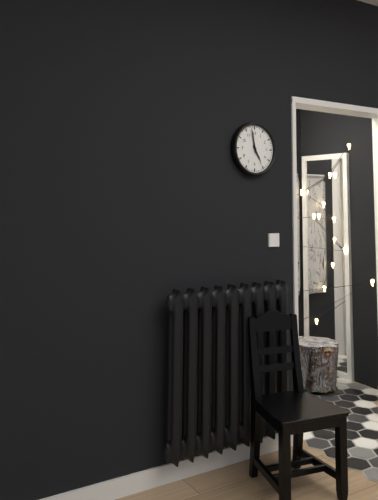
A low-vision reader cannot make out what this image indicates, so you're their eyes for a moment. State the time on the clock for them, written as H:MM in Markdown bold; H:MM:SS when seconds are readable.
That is **4:58**
